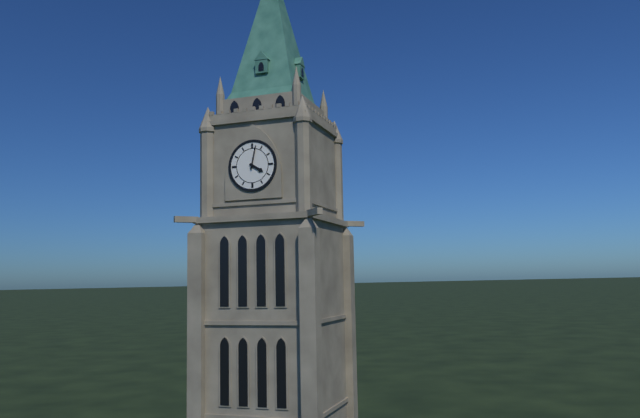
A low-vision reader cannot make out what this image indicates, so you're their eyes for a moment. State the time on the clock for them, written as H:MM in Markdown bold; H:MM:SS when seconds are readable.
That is **4:02**
